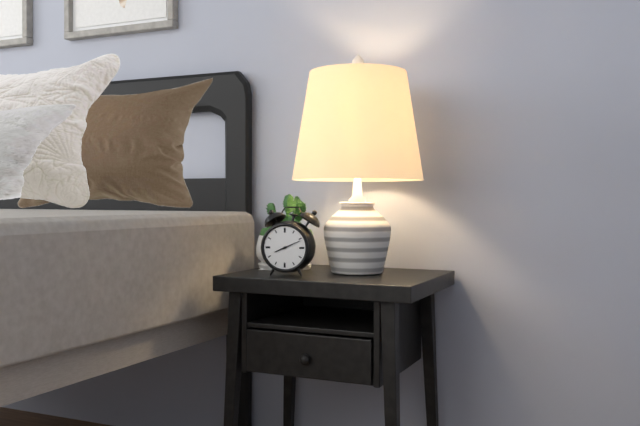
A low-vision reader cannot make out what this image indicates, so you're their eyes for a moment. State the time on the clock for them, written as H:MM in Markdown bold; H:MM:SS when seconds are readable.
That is **8:11**
